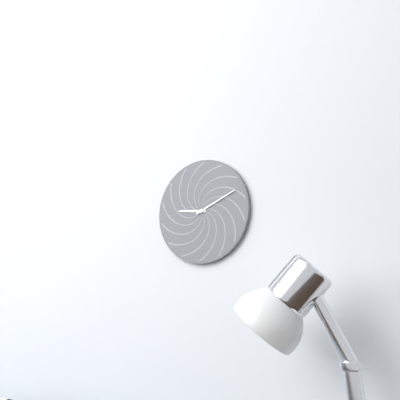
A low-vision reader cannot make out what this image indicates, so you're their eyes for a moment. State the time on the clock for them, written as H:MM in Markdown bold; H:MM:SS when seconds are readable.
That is **9:11**
